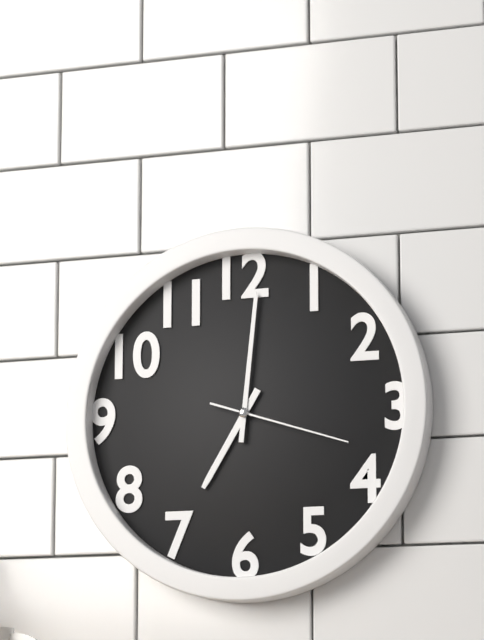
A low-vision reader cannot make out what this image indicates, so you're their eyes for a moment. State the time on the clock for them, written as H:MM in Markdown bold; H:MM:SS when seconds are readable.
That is **7:01:18**
